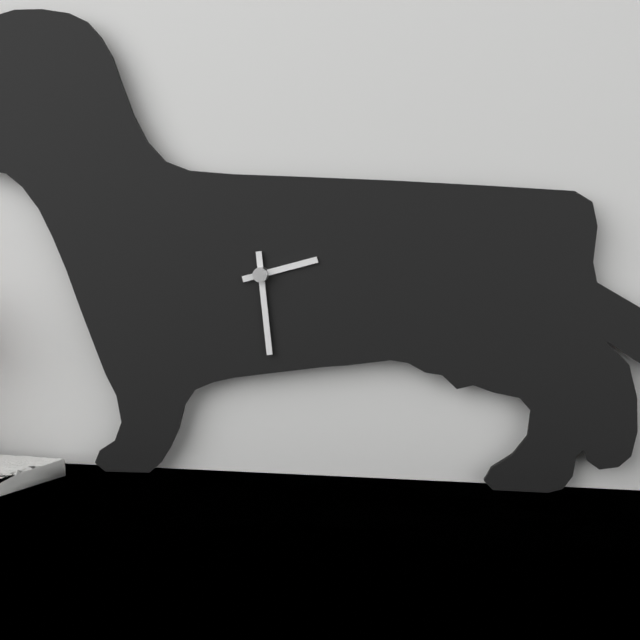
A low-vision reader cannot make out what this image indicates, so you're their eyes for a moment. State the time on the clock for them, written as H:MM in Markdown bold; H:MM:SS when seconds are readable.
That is **2:29**
